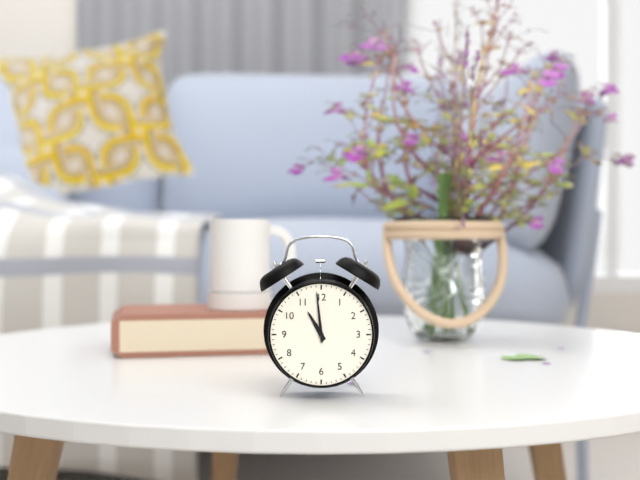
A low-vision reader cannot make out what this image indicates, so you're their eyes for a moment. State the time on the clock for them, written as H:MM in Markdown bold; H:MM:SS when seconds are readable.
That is **10:59**
